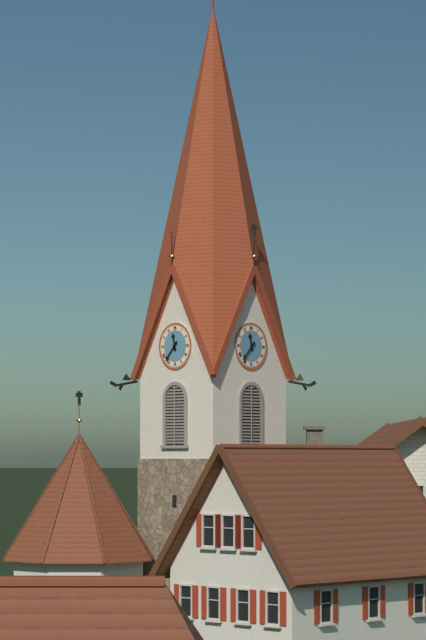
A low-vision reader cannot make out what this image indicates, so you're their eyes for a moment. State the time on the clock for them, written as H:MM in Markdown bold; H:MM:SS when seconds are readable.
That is **11:37**
